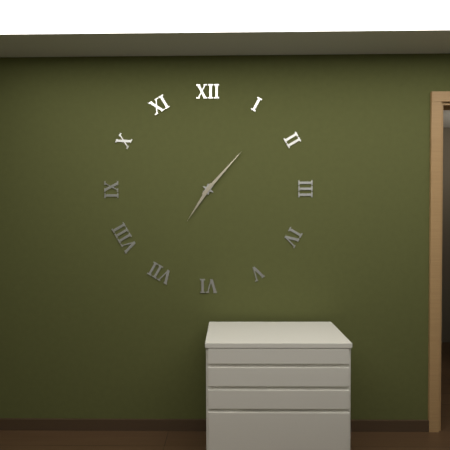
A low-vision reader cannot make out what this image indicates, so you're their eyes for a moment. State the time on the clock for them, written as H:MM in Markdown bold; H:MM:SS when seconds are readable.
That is **7:07**
